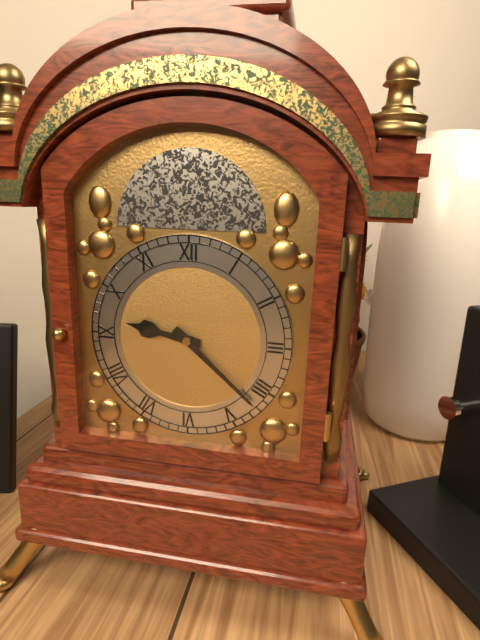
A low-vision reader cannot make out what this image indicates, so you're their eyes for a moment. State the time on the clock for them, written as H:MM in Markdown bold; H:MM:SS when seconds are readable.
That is **9:22**
